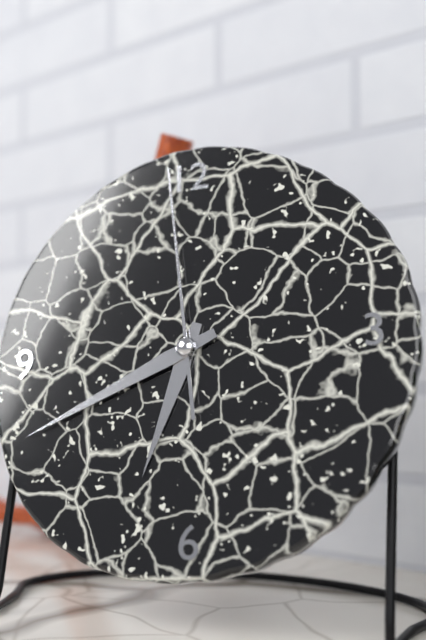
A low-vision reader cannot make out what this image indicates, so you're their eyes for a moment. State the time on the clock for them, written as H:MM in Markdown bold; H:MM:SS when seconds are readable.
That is **6:41:59**
